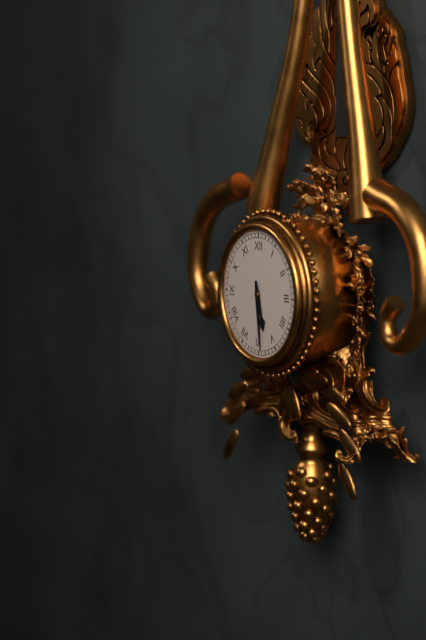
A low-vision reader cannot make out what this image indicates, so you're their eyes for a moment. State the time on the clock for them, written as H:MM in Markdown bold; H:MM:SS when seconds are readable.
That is **5:29**
